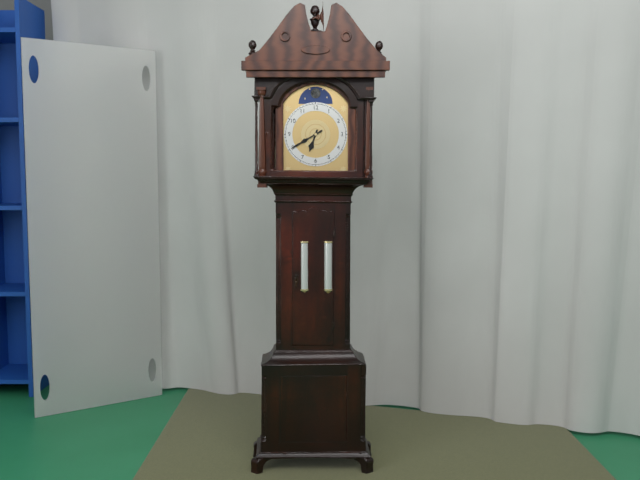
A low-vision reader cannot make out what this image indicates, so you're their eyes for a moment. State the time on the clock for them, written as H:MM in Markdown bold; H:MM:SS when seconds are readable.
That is **6:40**
